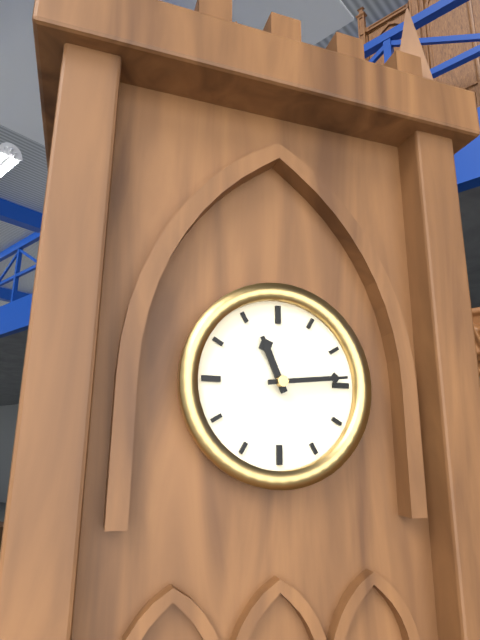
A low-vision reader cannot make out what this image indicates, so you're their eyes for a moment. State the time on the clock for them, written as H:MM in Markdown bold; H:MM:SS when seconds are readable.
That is **11:14**
